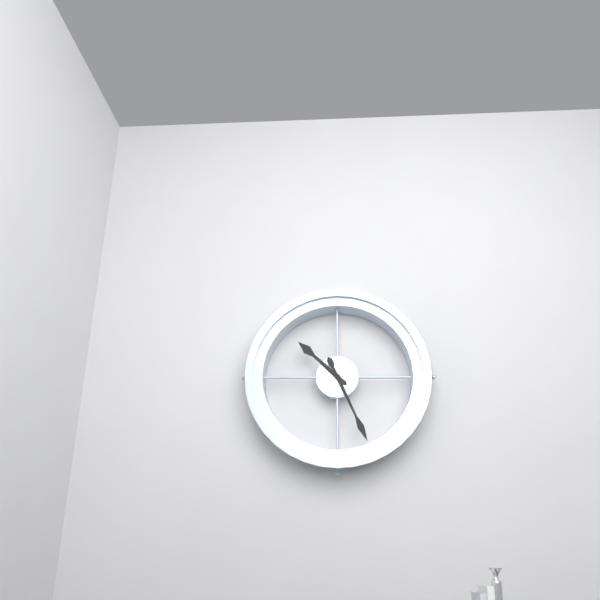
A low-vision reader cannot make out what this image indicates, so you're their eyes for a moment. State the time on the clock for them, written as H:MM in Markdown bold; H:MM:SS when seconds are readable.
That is **10:26**
